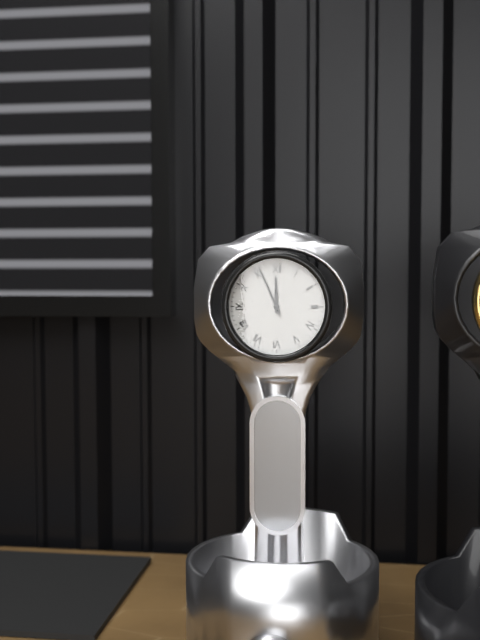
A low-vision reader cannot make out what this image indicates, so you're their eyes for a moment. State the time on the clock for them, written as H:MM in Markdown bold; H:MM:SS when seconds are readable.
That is **11:56**
